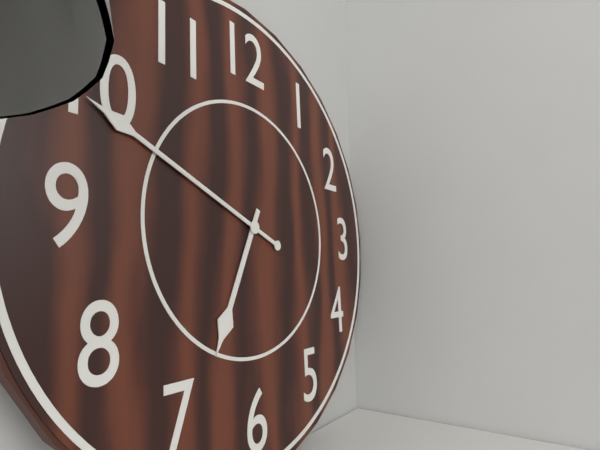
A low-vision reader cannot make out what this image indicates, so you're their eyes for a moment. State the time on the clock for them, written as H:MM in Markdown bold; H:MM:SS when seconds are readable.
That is **6:49**
